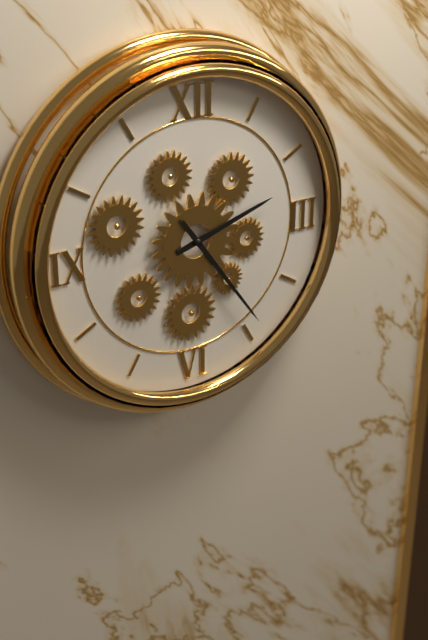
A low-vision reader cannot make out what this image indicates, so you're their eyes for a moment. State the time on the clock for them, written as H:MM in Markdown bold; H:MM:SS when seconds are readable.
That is **2:24**
